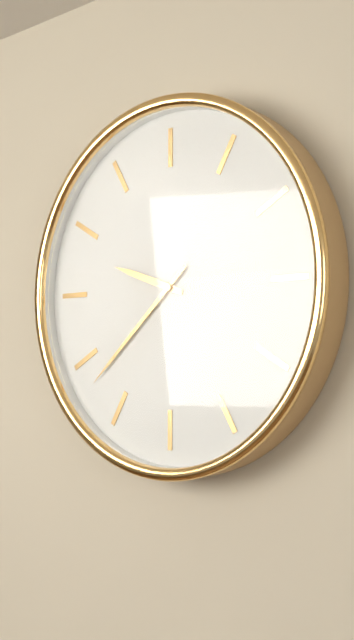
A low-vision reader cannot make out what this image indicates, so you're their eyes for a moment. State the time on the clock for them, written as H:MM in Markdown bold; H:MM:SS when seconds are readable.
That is **9:38**
